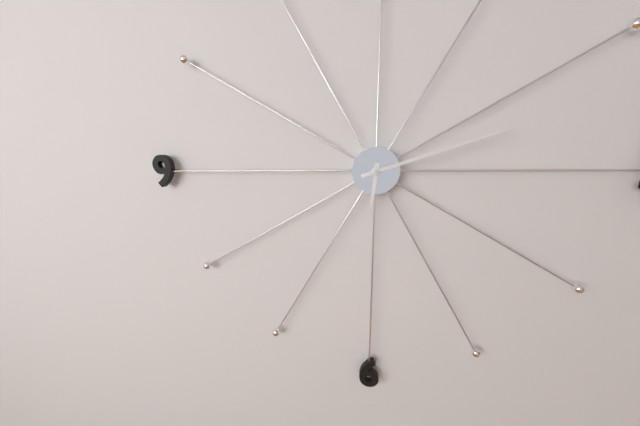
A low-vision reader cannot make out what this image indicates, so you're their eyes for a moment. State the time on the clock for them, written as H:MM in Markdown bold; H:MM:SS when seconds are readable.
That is **6:12**
